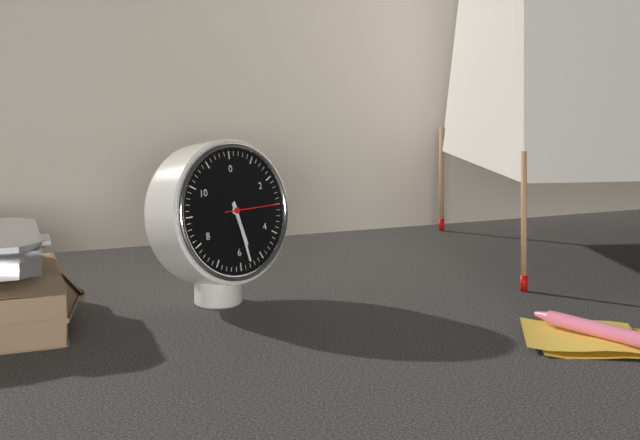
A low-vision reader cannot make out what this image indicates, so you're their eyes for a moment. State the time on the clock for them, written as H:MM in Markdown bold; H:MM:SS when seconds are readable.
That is **5:28:15**
